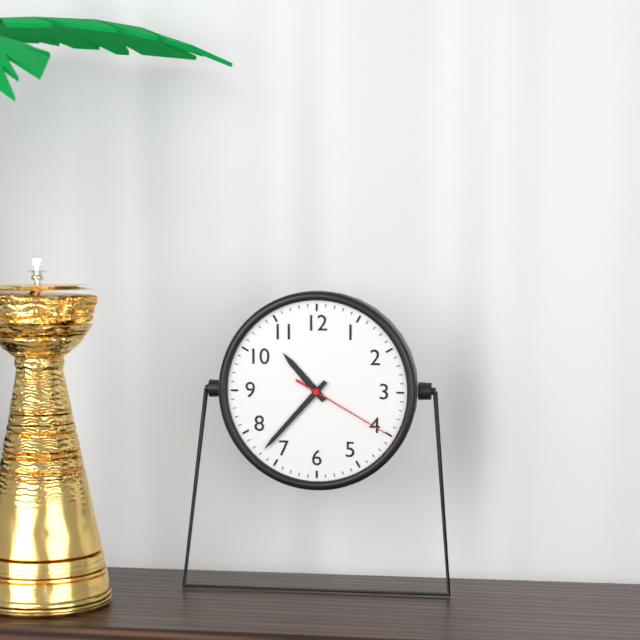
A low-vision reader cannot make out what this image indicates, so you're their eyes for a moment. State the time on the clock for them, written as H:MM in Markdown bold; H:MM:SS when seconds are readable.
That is **10:37:20**
